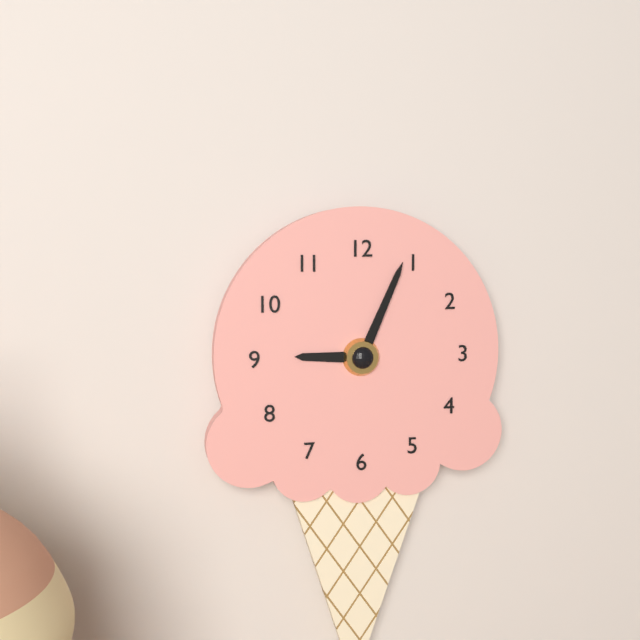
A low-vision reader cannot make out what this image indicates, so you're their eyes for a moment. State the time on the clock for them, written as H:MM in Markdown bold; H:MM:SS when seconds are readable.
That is **9:04**
